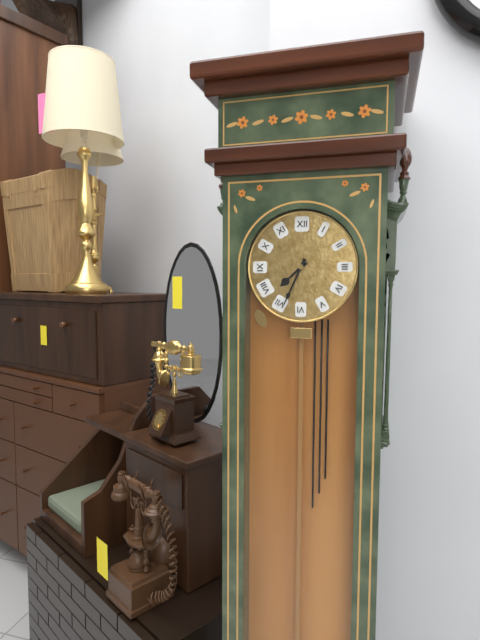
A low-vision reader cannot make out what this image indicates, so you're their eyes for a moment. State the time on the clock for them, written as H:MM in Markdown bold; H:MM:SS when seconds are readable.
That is **7:34**
